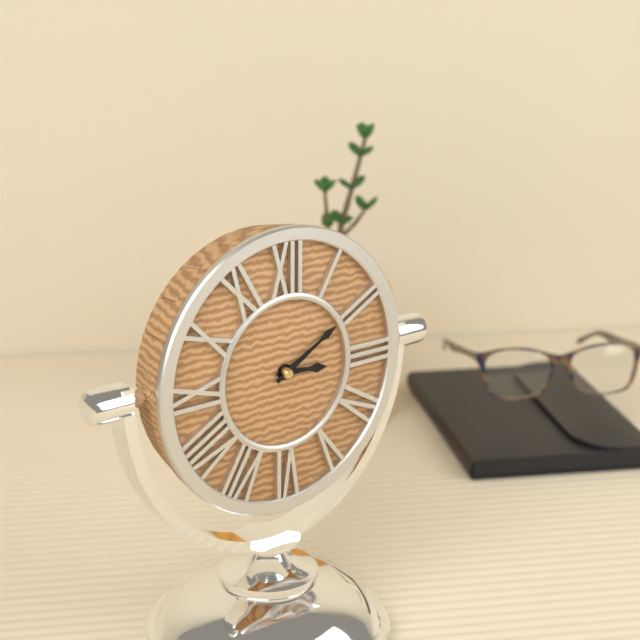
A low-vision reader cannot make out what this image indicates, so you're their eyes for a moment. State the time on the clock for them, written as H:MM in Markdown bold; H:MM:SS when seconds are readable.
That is **3:10**
